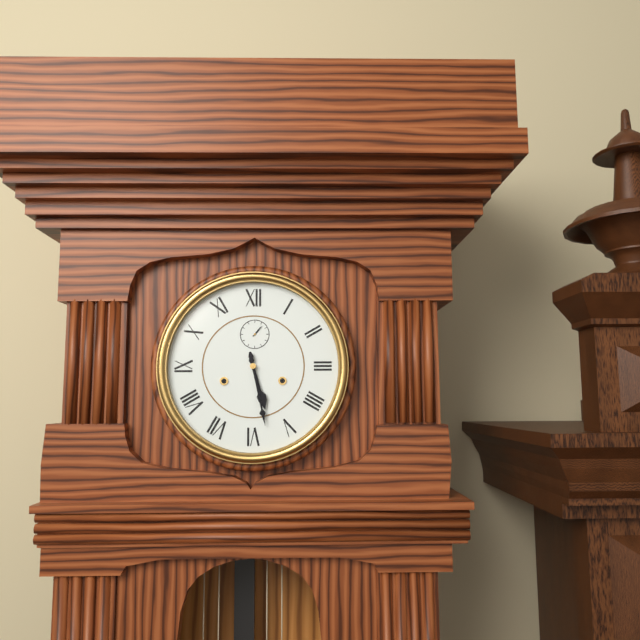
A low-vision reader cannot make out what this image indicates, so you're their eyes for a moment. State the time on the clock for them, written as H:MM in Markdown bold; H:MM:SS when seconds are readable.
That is **5:28**
